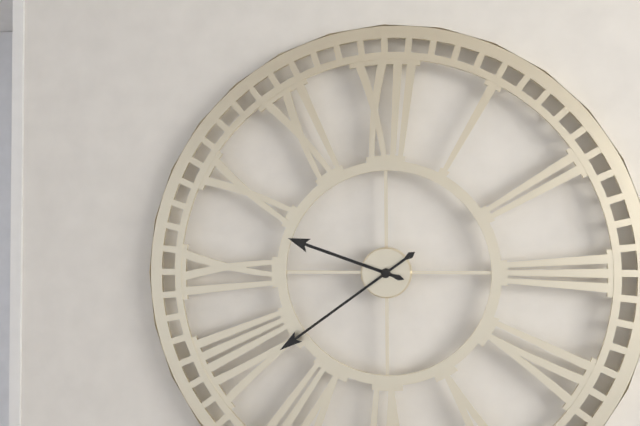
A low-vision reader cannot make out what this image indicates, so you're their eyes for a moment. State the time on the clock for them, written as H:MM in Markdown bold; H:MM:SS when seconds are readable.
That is **9:39**
